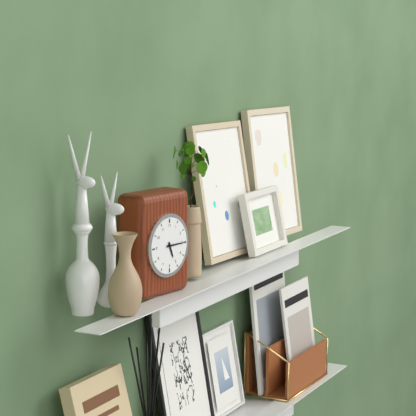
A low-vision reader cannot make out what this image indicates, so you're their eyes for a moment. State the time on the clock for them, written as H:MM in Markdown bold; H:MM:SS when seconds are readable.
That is **5:15**
